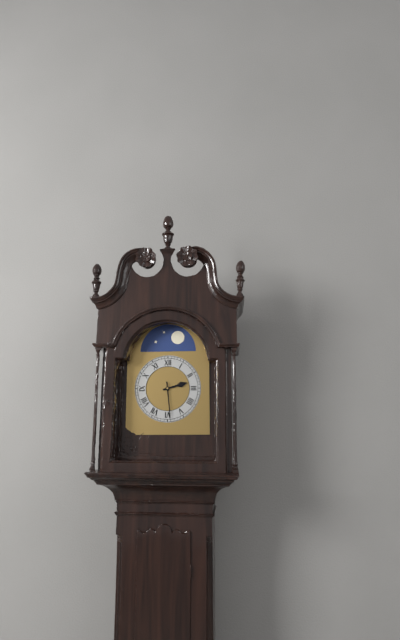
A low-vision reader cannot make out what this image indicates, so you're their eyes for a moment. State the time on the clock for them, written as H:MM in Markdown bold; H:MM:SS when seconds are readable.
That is **2:29**
